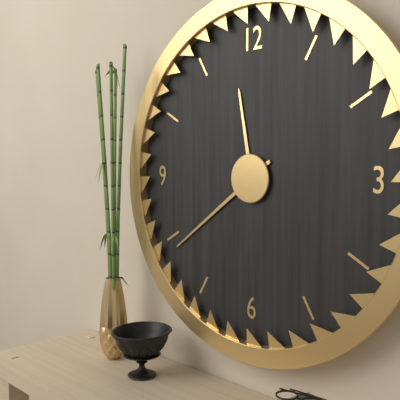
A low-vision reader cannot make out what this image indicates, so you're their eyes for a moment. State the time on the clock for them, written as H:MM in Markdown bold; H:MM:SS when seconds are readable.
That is **11:39**
